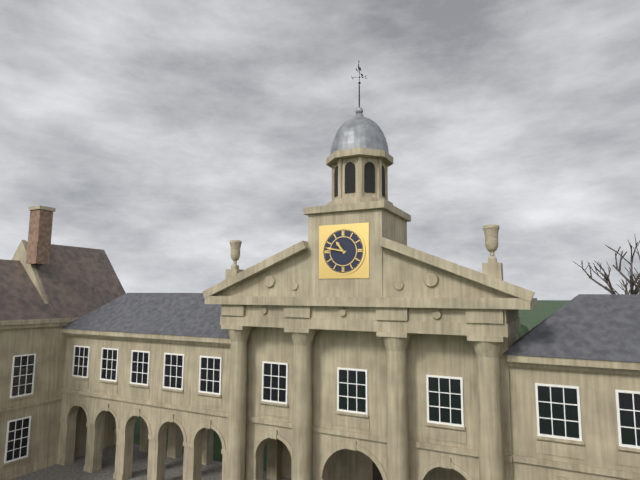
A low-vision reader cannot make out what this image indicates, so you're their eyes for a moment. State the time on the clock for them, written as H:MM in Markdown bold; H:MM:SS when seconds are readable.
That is **10:47**
